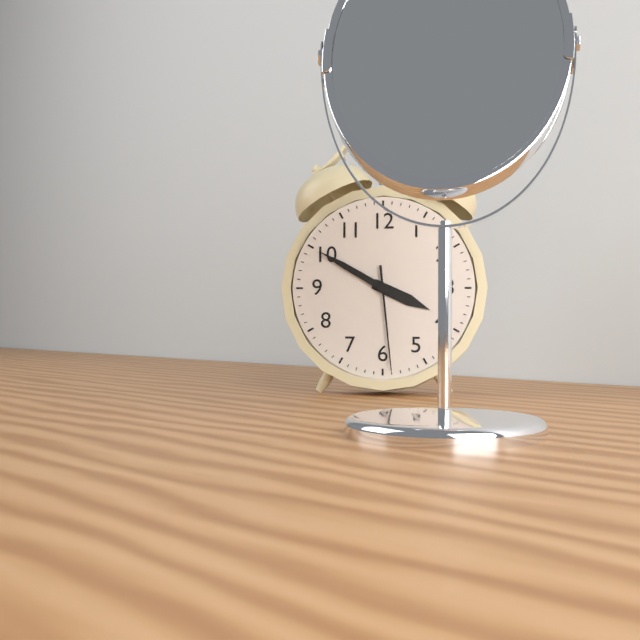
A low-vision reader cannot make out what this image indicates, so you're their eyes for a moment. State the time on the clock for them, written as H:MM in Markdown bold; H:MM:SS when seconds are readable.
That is **3:50:29**
